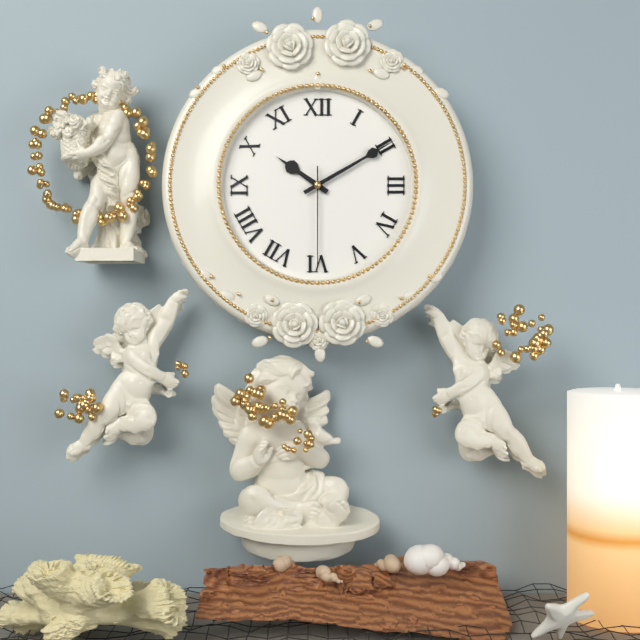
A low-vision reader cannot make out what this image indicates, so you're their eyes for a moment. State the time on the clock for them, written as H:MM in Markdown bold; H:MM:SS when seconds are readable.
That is **10:10:30**
